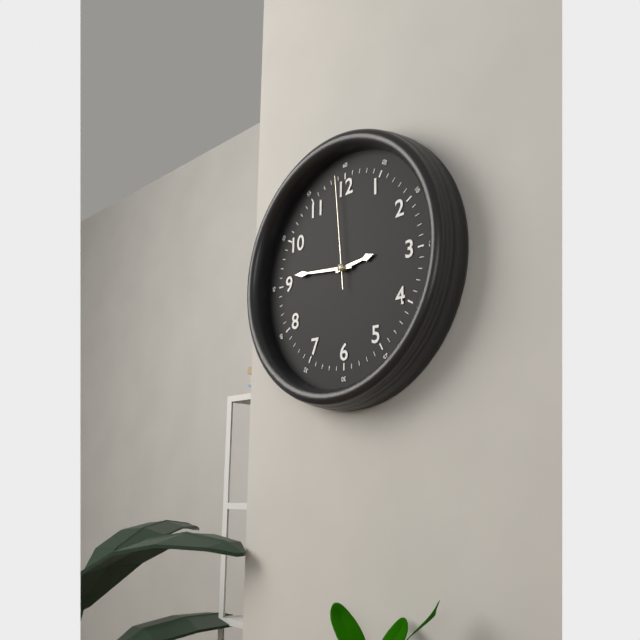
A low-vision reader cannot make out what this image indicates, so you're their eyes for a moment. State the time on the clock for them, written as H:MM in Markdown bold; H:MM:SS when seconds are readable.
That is **2:46:59**
